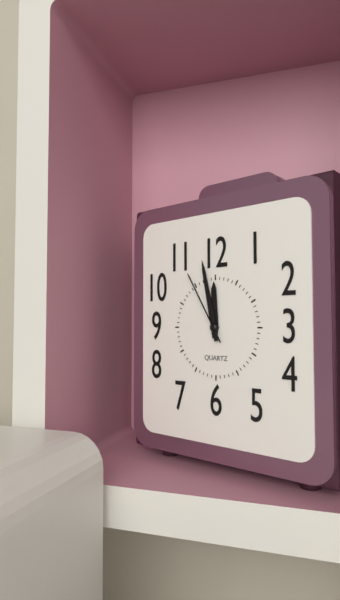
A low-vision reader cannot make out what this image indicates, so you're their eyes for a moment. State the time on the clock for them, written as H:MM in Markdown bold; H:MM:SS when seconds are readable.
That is **11:58:55**
